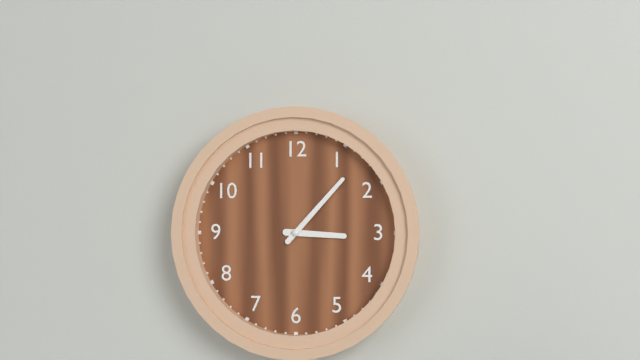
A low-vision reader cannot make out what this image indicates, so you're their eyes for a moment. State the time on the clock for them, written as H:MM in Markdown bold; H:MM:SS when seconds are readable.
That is **3:07**
